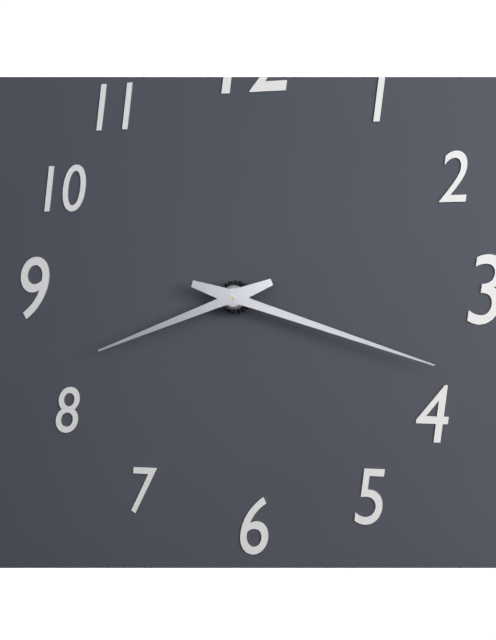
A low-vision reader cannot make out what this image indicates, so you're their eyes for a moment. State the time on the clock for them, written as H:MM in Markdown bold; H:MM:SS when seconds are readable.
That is **8:18**
